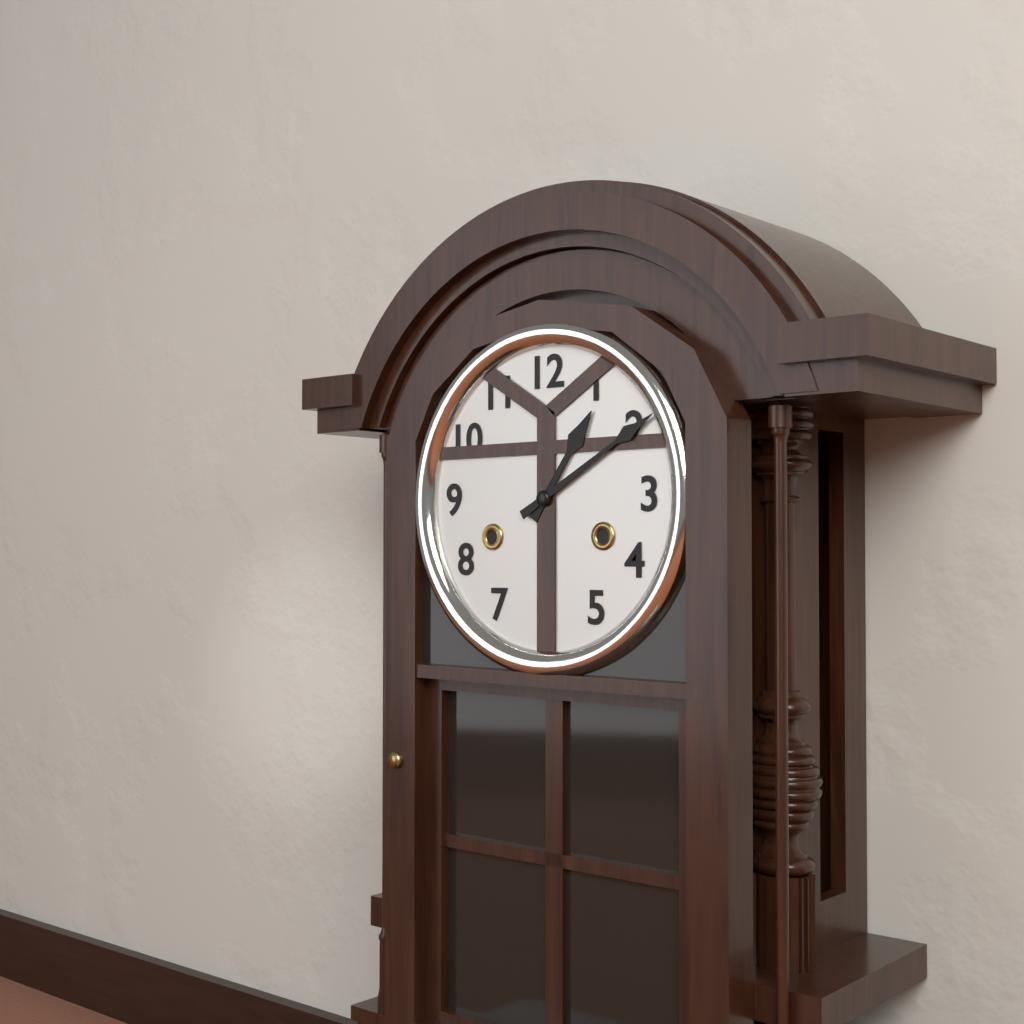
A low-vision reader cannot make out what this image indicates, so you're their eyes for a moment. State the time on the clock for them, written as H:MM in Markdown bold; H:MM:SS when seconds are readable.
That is **1:10**
